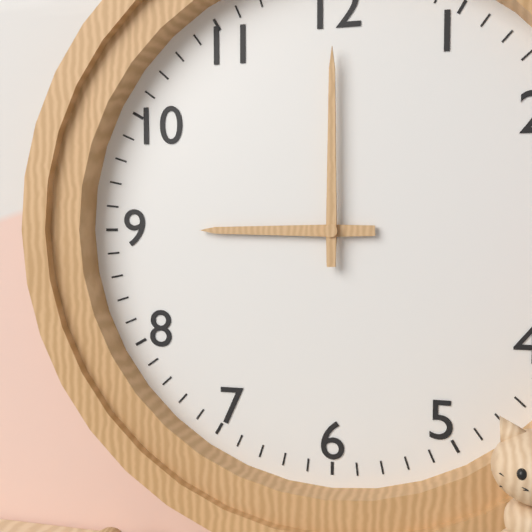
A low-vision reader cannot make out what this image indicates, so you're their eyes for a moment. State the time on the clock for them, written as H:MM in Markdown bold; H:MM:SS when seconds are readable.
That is **9:00**
